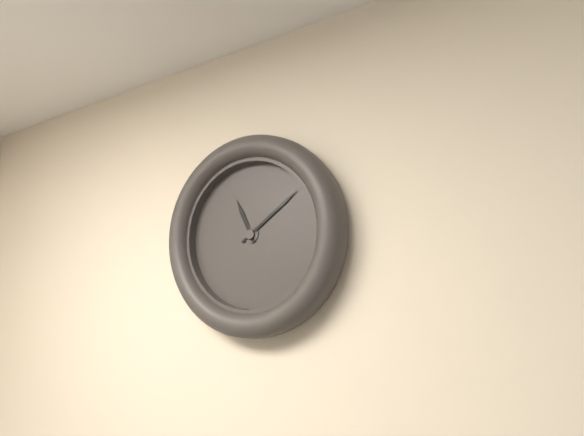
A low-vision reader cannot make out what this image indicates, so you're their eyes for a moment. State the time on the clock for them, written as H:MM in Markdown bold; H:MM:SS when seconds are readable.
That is **11:09**
